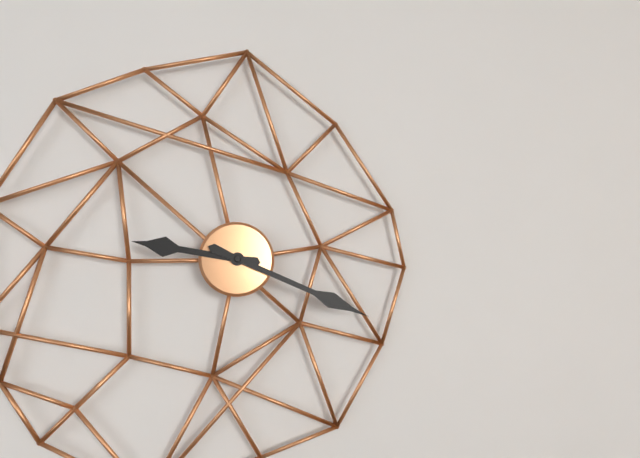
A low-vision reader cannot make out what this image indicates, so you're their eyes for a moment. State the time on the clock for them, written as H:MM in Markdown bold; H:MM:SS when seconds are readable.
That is **9:19**
